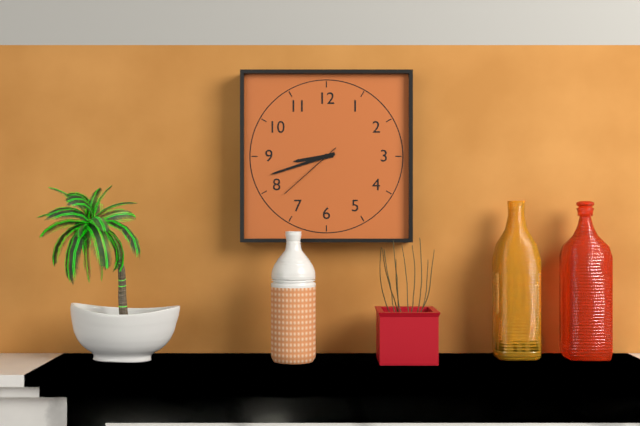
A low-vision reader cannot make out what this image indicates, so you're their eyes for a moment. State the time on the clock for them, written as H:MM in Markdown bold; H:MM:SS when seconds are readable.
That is **8:42:38**
